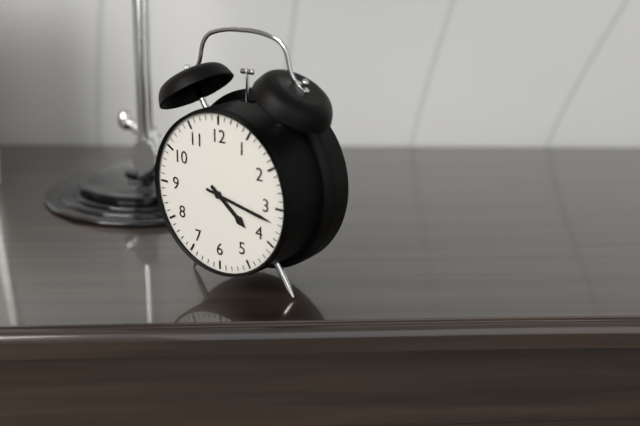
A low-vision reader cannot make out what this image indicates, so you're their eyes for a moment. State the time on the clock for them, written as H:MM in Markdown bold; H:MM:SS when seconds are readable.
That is **4:17**
